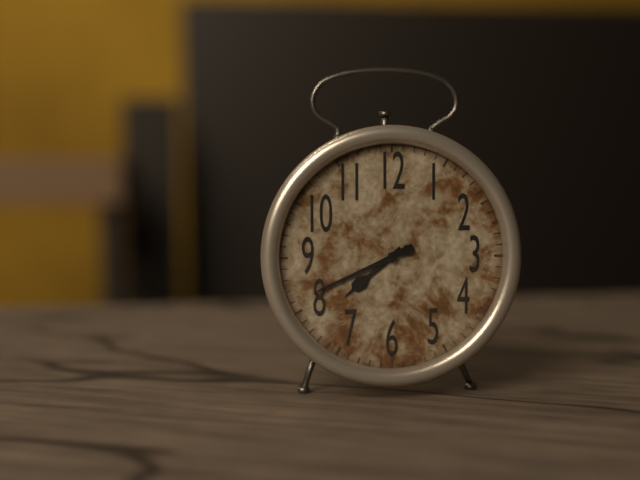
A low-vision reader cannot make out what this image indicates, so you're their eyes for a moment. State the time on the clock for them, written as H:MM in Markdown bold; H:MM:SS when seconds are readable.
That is **7:41**
